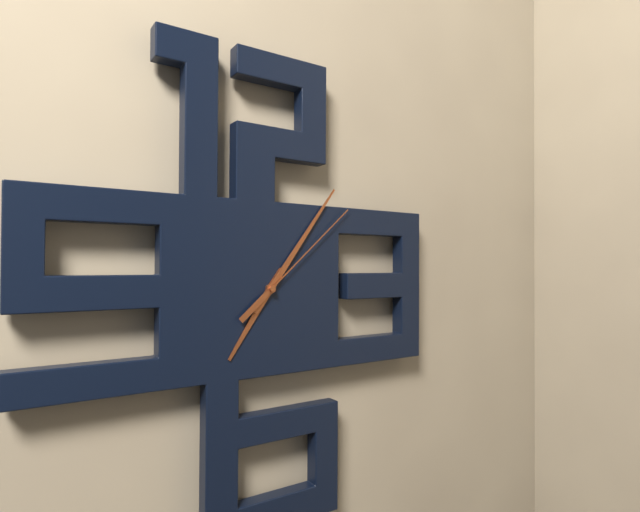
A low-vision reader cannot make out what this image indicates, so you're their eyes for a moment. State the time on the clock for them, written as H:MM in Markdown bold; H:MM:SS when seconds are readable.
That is **7:06:08**
